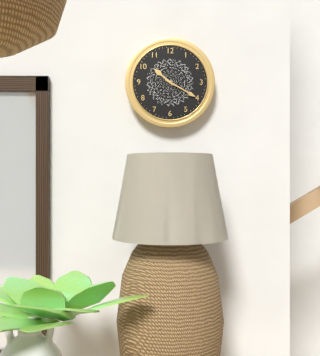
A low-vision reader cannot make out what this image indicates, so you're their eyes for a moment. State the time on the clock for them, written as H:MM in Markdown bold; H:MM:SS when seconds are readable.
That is **10:20**
